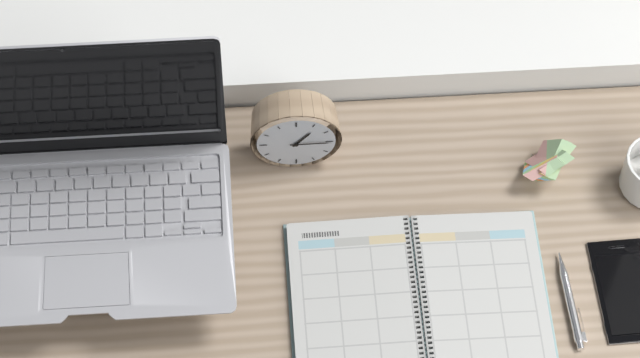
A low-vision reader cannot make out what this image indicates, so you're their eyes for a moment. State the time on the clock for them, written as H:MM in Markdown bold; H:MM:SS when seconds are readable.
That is **1:15**
